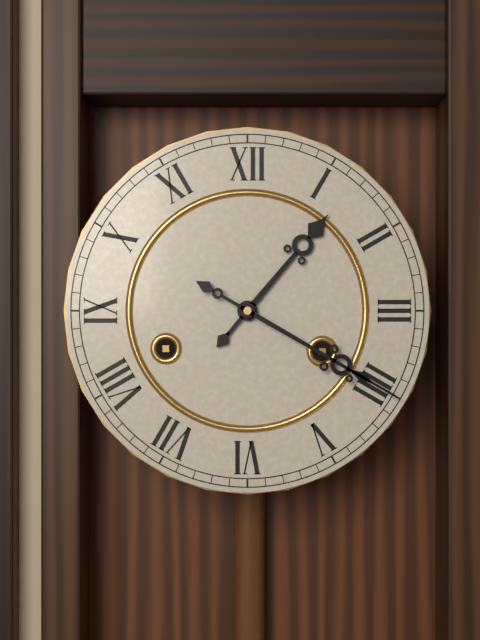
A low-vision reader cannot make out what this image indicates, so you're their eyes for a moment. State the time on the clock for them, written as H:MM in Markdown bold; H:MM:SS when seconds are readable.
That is **1:20**
